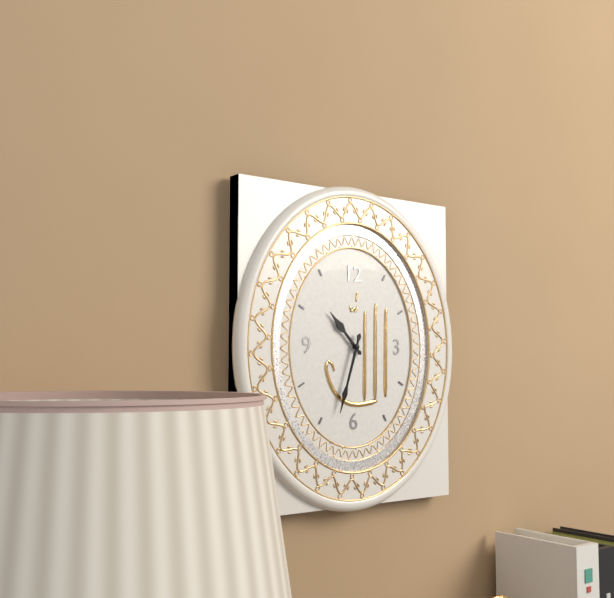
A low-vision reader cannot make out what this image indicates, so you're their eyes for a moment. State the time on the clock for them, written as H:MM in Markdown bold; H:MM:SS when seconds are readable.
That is **10:33**
